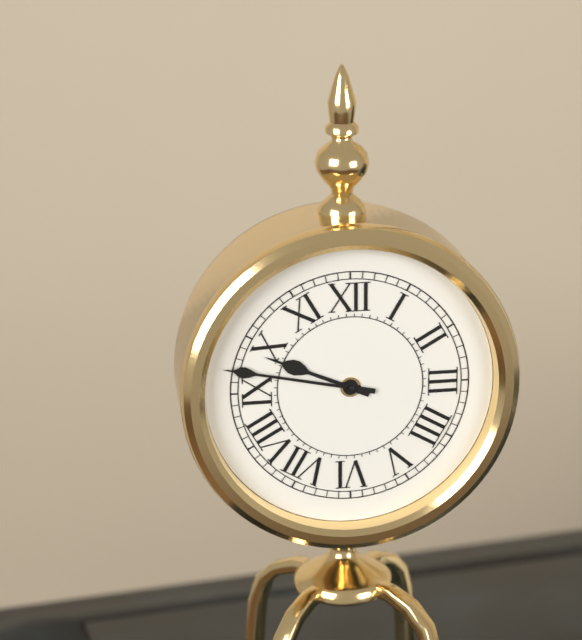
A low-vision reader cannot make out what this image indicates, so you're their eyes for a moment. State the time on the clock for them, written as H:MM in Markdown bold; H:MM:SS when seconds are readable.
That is **9:47**
